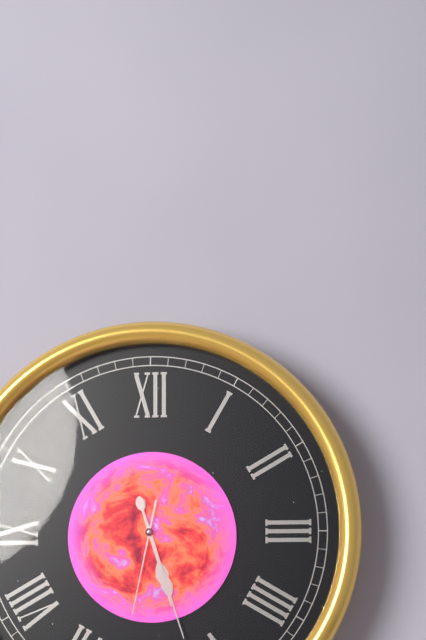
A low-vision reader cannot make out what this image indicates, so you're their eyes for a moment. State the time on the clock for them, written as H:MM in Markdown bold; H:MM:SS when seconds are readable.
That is **5:27:32**
